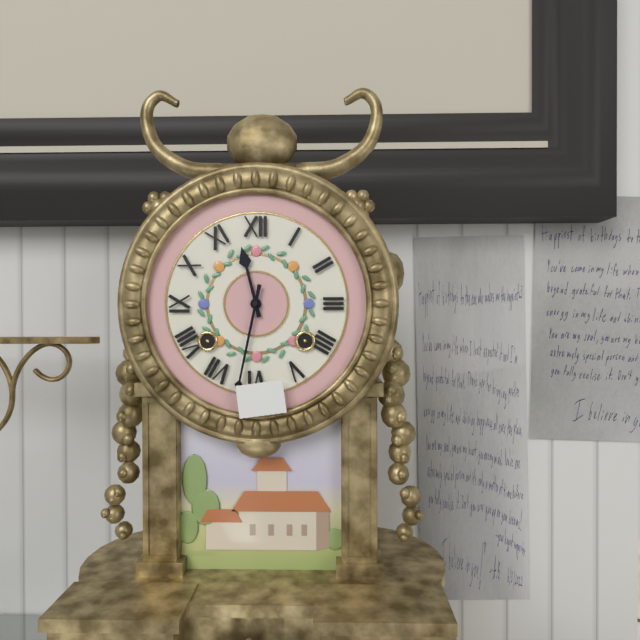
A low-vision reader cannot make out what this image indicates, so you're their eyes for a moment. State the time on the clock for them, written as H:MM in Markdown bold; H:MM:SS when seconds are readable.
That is **11:32**
